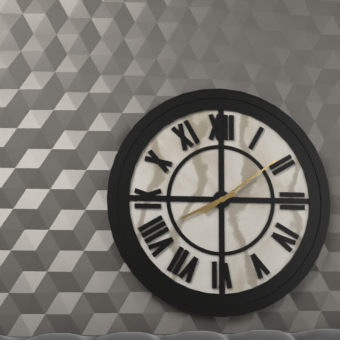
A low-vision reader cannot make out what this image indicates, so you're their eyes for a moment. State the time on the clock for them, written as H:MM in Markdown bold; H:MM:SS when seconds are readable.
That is **8:09**
